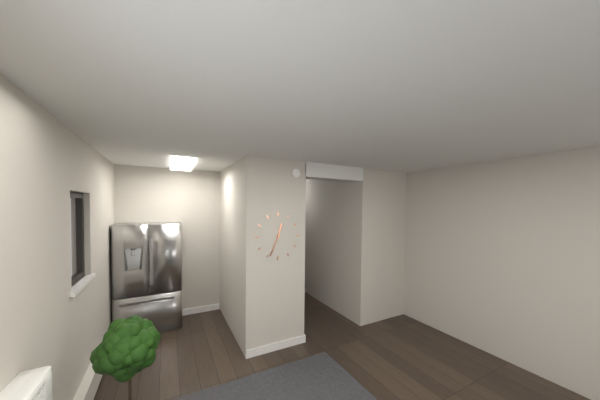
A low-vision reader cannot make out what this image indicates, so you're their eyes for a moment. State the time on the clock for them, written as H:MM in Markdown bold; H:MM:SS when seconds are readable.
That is **12:34**
